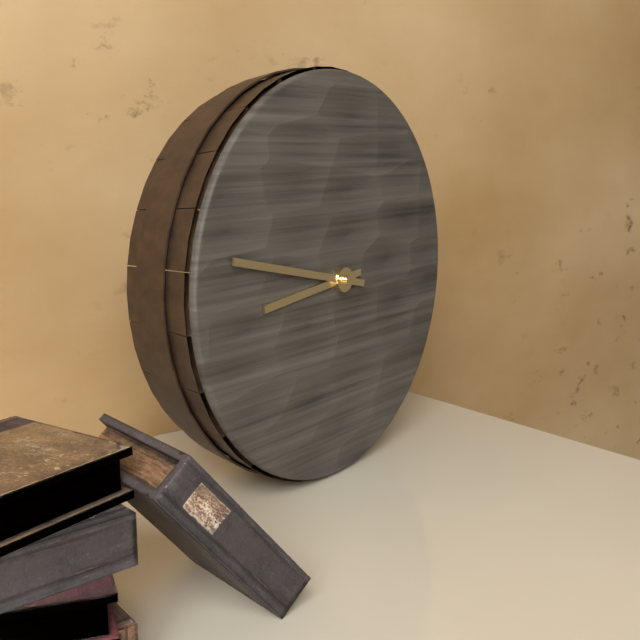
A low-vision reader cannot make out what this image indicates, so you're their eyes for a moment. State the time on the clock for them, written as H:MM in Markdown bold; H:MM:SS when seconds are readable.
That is **8:47**
